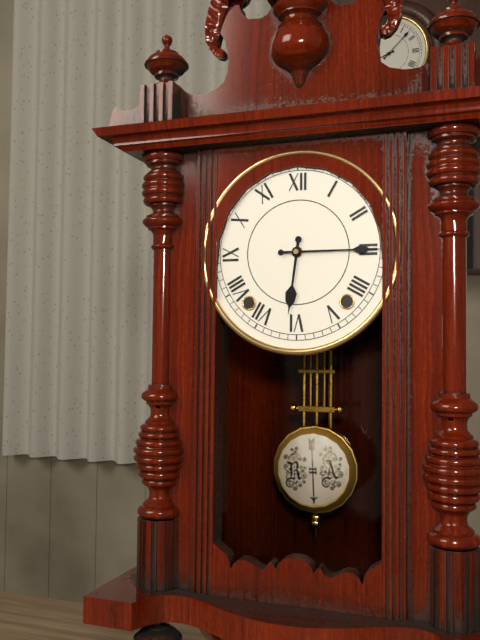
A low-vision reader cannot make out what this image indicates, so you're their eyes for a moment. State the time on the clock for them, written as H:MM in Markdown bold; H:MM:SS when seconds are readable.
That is **6:15**
